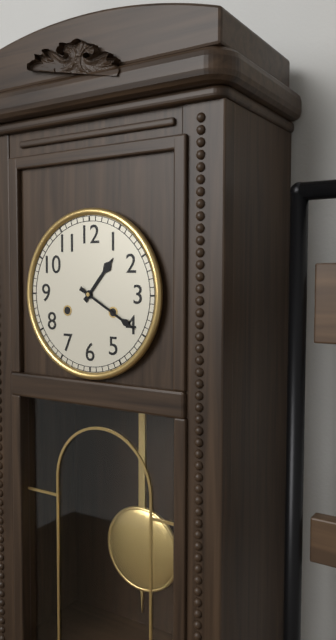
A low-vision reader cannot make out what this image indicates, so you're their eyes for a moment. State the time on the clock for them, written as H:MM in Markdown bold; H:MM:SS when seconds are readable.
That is **1:20**
